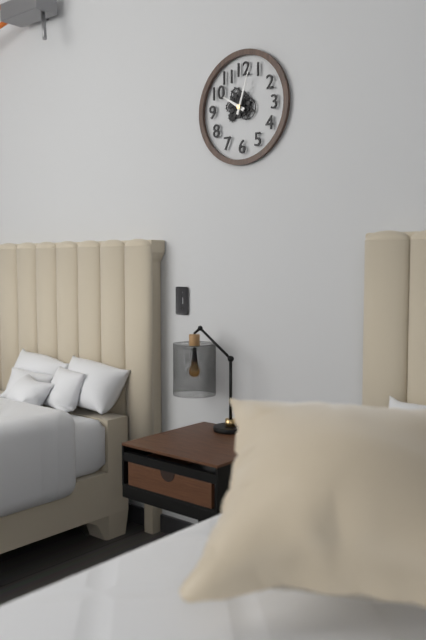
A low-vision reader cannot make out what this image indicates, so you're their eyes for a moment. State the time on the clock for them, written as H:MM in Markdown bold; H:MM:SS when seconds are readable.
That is **10:03**
